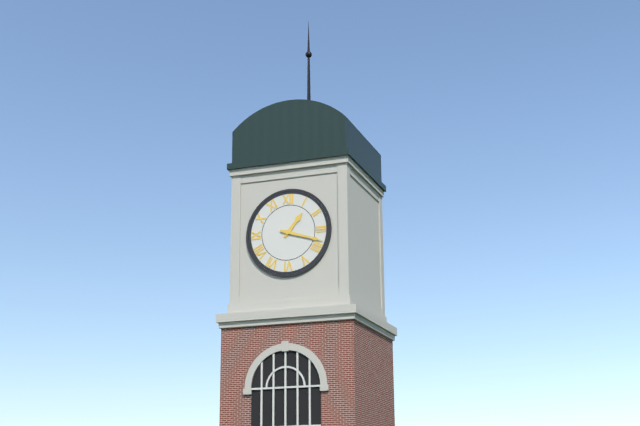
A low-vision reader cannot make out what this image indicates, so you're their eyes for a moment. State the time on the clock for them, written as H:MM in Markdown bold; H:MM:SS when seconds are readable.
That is **1:18**
